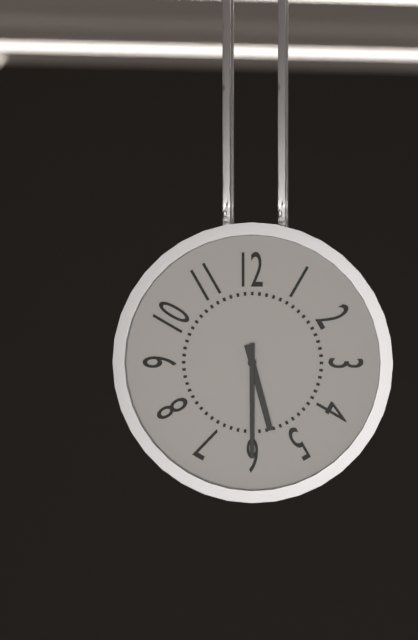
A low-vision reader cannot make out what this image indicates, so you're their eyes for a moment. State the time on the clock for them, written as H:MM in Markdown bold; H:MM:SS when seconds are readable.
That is **5:30**
